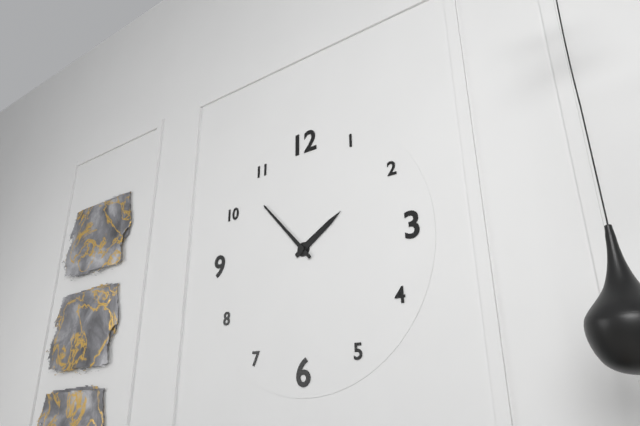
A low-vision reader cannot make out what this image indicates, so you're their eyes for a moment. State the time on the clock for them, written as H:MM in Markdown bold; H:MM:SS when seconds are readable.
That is **1:53**
